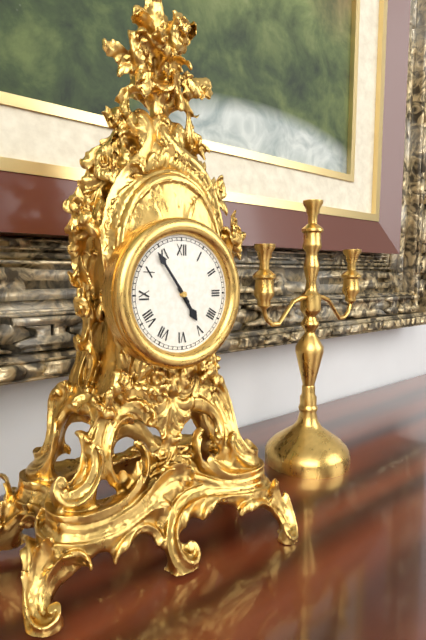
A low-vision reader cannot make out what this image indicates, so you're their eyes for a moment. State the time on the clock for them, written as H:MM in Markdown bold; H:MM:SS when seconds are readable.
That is **4:54**
